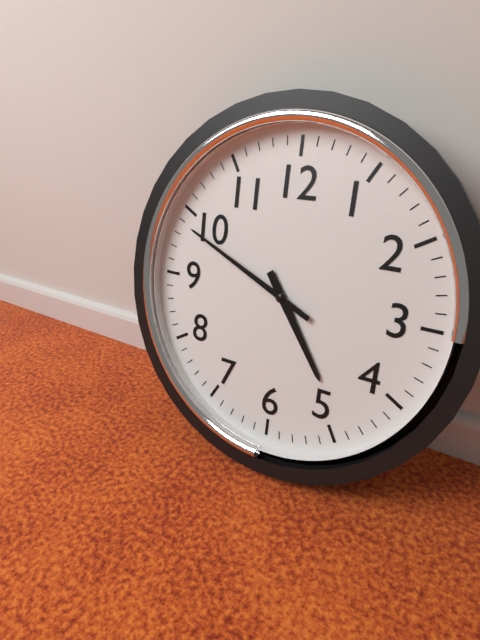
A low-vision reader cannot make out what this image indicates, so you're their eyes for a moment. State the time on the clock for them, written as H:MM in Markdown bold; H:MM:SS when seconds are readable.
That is **4:49**
